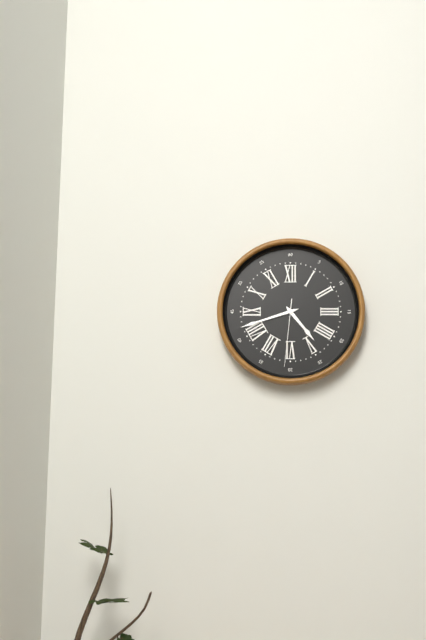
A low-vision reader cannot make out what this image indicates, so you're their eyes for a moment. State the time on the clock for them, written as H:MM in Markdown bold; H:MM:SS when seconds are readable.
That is **4:42:31**
